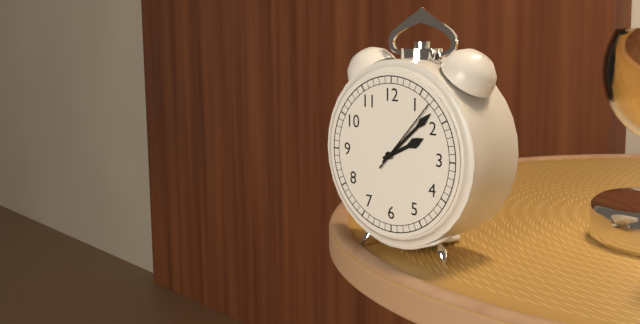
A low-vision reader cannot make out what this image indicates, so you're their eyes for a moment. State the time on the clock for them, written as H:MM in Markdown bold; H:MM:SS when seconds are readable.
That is **2:08:07**
